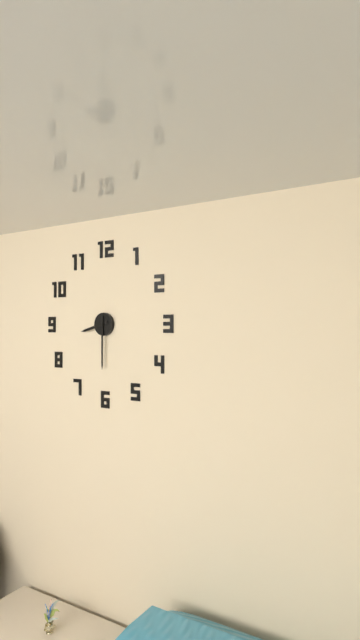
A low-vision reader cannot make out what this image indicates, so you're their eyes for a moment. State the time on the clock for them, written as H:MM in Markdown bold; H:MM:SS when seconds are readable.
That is **8:30**
